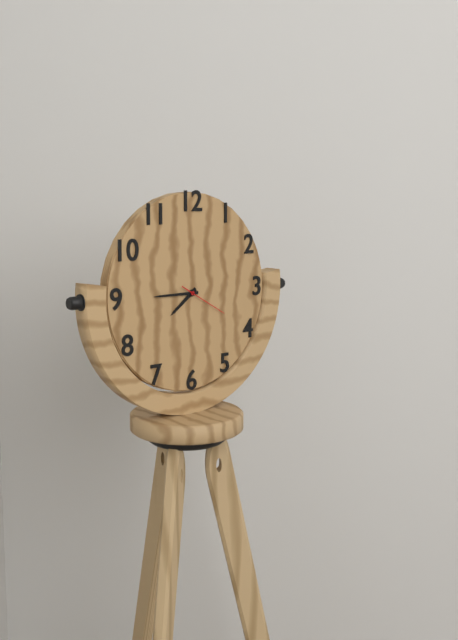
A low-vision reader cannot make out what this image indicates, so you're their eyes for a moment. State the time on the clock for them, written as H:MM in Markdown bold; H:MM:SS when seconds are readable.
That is **7:45**
